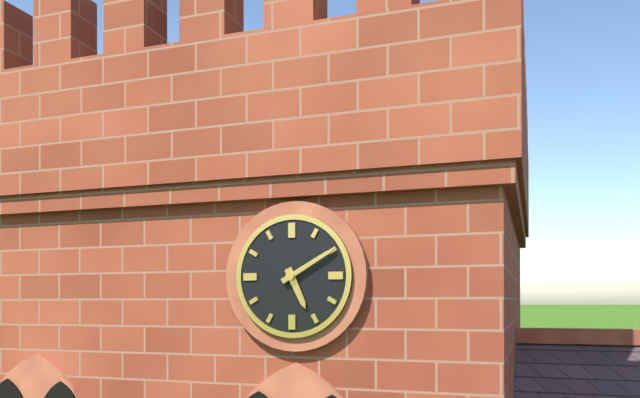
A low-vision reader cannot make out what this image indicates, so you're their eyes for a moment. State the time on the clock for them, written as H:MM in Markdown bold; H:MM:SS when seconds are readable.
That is **5:10**
